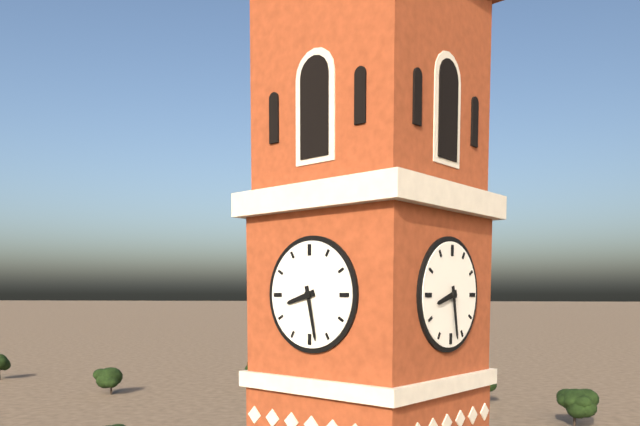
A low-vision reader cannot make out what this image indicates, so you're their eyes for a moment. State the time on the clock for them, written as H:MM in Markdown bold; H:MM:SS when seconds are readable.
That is **8:28**
